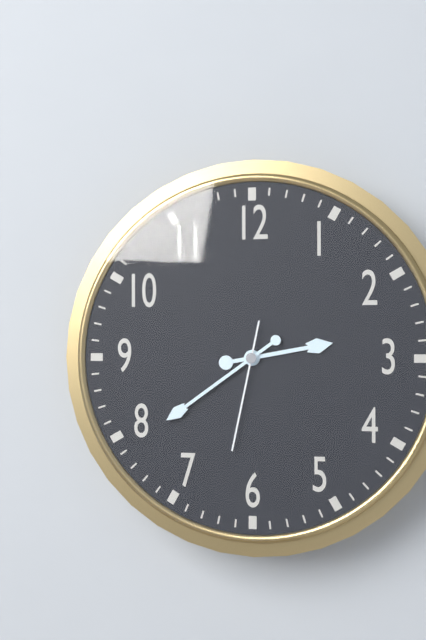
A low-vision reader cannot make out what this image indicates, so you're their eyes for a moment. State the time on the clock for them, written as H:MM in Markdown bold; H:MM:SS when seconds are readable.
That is **2:39:32**
